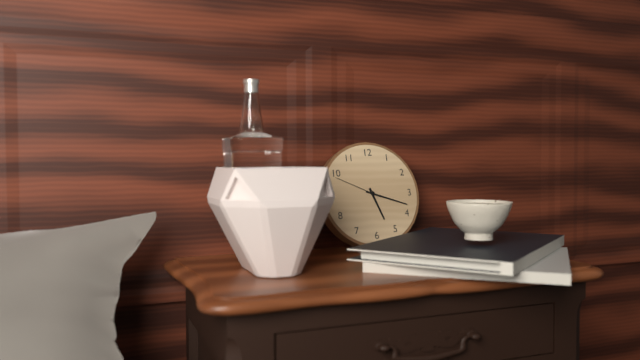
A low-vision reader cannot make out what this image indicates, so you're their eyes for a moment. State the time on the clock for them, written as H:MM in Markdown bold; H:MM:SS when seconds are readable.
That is **5:18:49**
